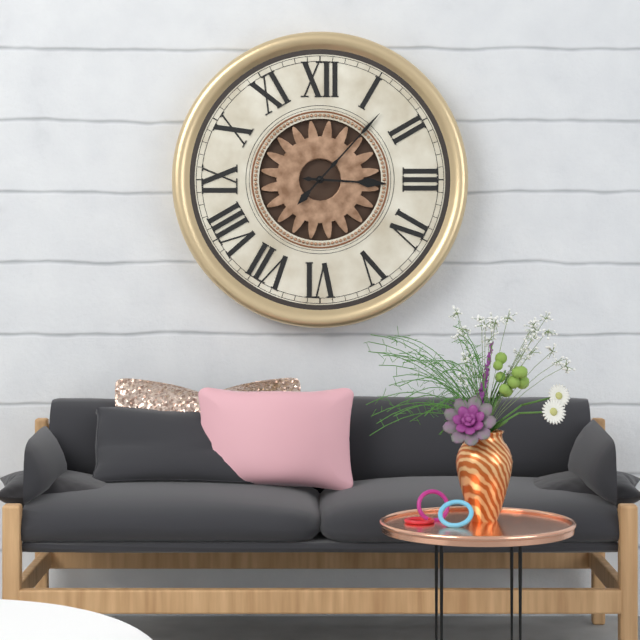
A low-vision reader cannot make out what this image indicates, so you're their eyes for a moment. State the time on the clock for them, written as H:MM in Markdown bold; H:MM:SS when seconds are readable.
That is **3:07**
